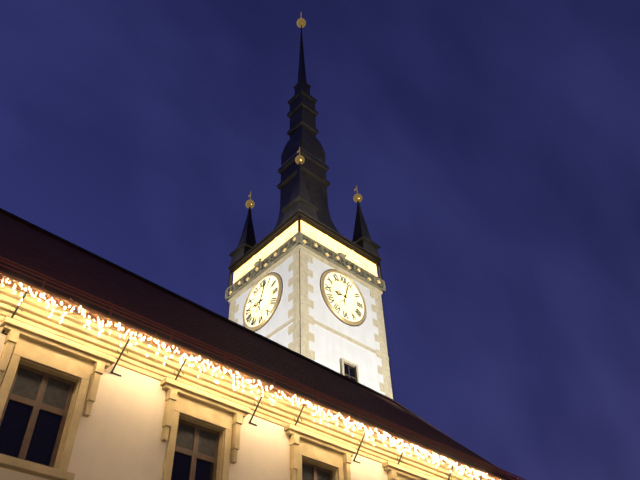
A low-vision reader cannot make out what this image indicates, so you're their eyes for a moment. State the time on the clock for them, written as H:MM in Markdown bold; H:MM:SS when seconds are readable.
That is **9:03**
